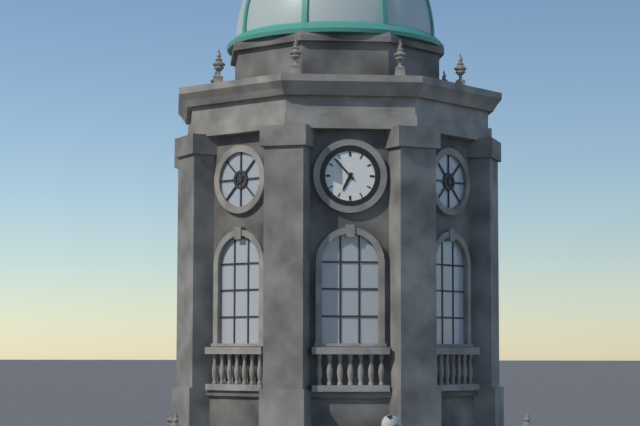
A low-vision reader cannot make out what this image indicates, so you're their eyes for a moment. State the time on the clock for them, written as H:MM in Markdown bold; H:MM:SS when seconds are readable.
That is **6:53**
